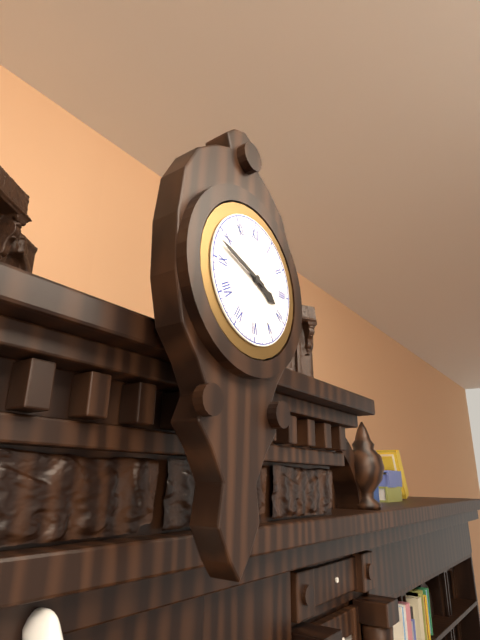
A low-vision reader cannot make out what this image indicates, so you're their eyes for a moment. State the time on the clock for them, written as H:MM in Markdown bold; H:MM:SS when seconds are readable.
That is **3:48**
